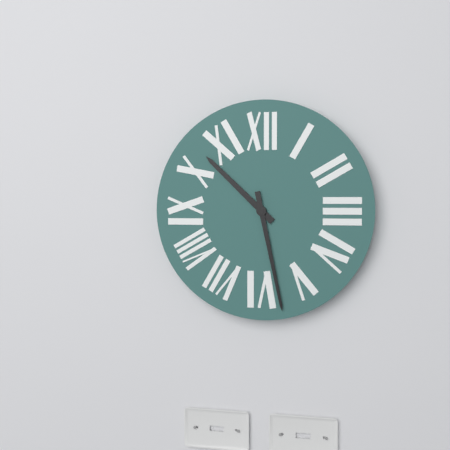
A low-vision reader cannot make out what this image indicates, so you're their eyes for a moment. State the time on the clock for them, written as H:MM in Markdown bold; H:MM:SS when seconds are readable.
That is **10:28**
